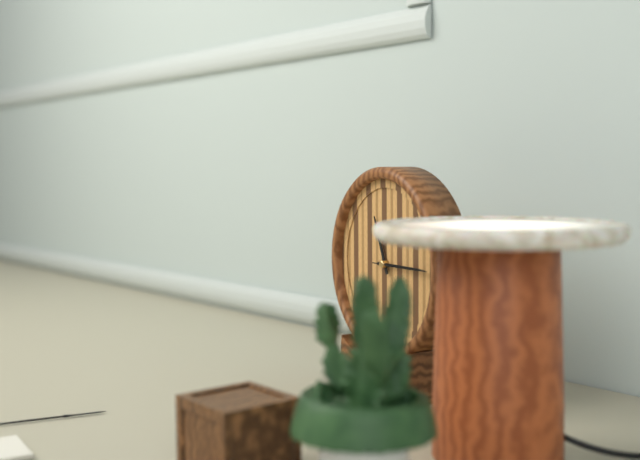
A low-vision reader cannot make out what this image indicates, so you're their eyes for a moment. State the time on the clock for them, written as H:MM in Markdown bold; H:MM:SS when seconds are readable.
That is **11:15:15**
